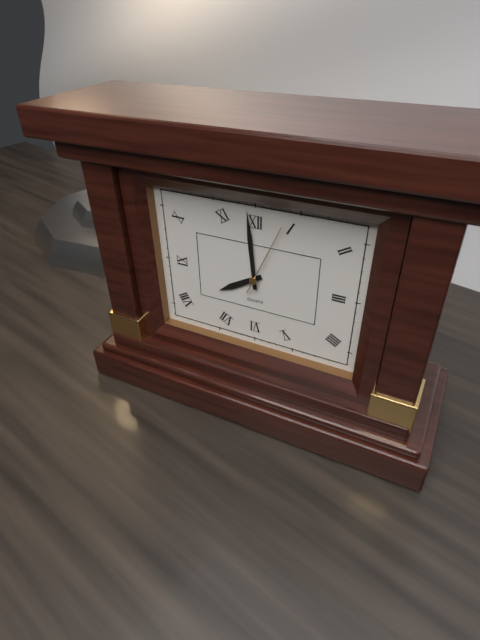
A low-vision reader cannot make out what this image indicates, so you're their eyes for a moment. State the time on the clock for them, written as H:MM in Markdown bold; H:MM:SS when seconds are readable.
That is **7:59:04**
